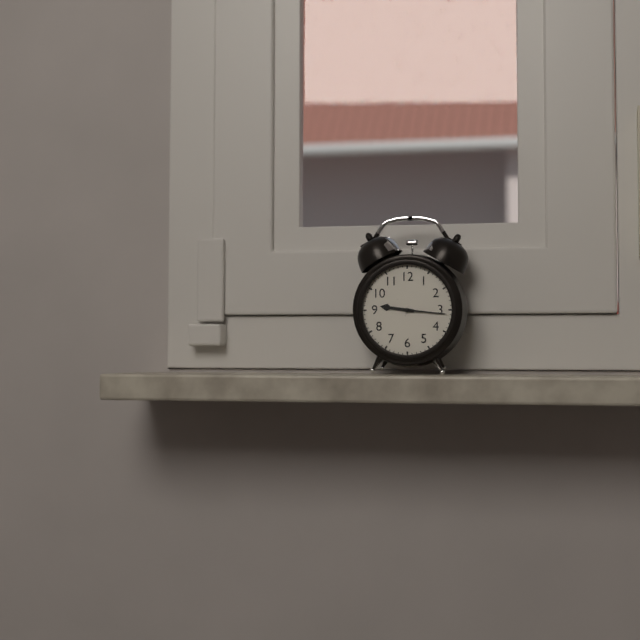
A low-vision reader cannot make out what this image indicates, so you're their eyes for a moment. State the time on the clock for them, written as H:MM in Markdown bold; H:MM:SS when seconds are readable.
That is **9:16**
